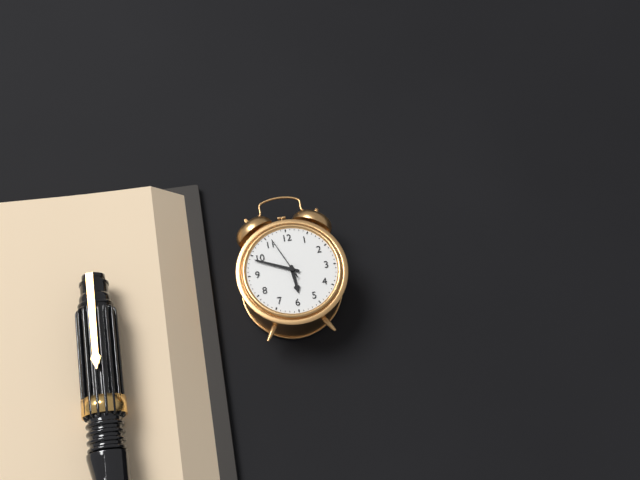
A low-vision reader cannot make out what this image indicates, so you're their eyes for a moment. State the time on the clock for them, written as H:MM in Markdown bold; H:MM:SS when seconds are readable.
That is **5:49**
